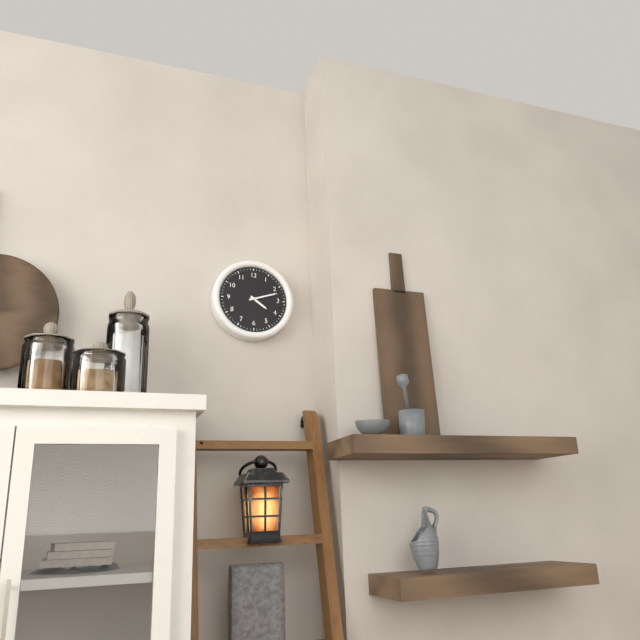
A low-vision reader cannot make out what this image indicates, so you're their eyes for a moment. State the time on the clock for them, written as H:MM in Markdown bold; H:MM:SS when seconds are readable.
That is **4:12**
